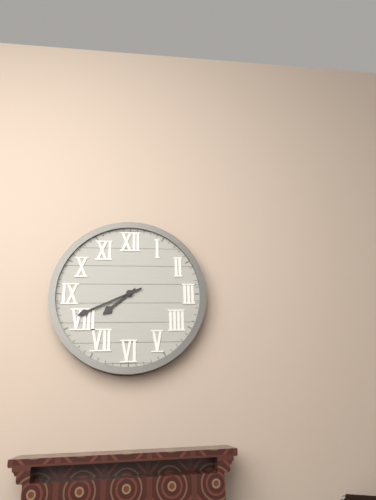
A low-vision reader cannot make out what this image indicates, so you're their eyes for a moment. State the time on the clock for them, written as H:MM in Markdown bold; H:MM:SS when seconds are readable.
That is **7:41**
